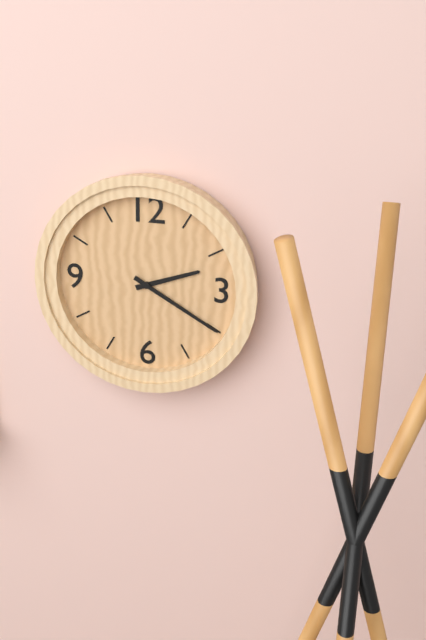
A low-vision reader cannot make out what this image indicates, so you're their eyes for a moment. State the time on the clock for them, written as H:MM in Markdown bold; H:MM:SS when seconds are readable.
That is **2:20**
